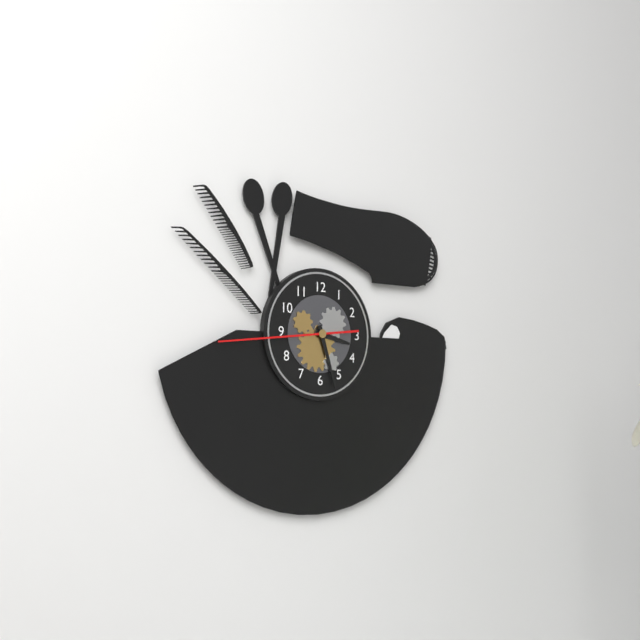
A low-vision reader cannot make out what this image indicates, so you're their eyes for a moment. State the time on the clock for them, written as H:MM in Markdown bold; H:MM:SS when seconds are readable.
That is **3:27:44**
